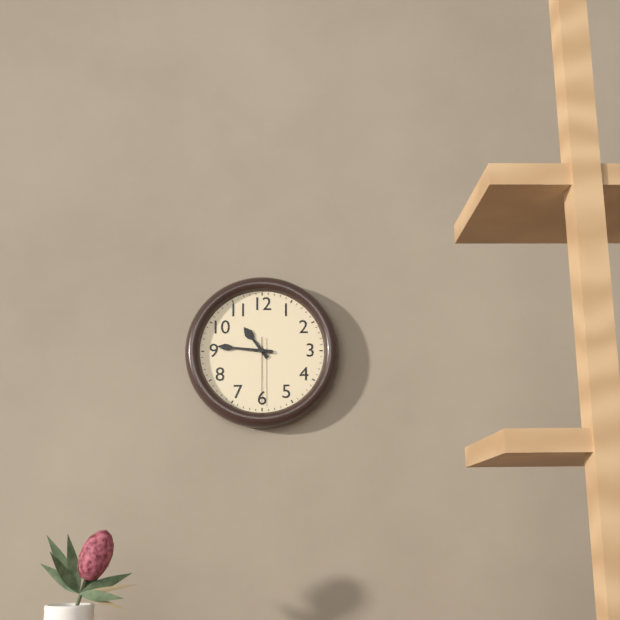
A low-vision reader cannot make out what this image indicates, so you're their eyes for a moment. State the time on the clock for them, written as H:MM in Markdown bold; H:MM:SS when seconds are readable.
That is **10:46:30**
